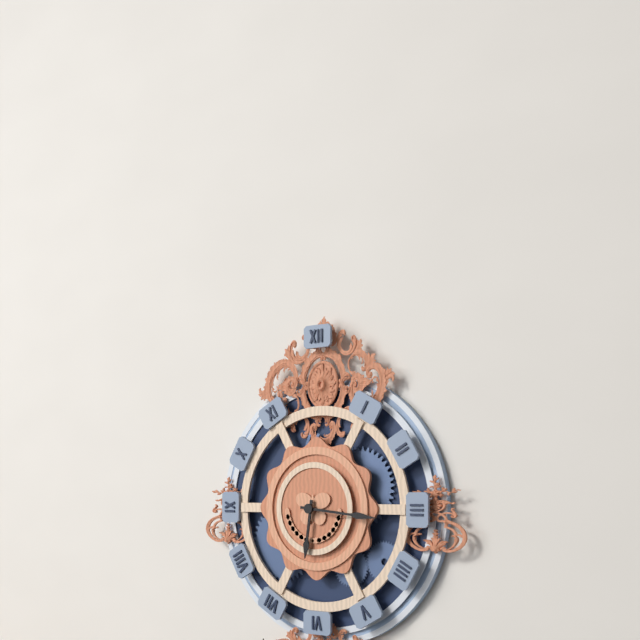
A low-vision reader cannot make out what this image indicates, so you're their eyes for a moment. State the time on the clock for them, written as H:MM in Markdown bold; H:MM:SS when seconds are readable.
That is **6:16**
